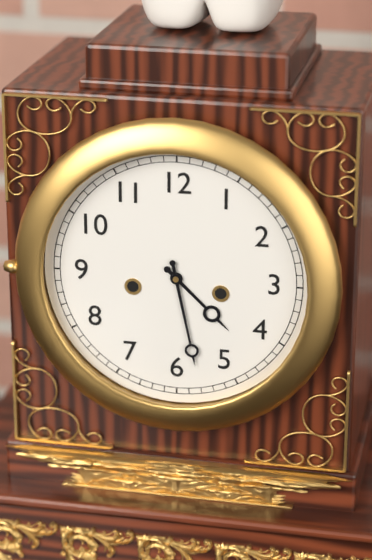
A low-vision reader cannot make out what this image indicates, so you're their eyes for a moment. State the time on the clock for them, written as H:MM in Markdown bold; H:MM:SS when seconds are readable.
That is **4:28**
